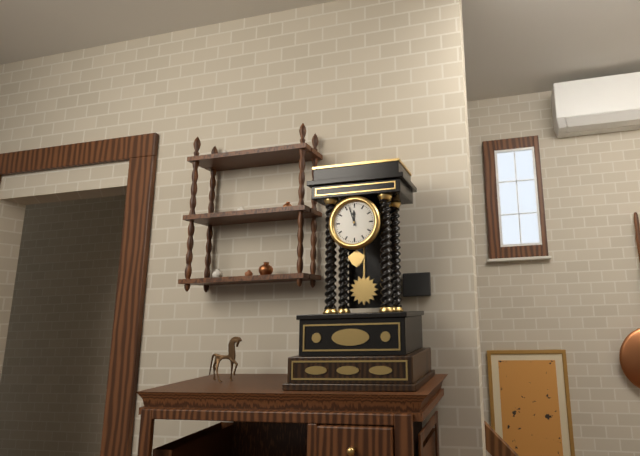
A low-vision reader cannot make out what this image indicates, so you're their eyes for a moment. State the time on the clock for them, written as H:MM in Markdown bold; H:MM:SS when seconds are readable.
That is **11:57**
